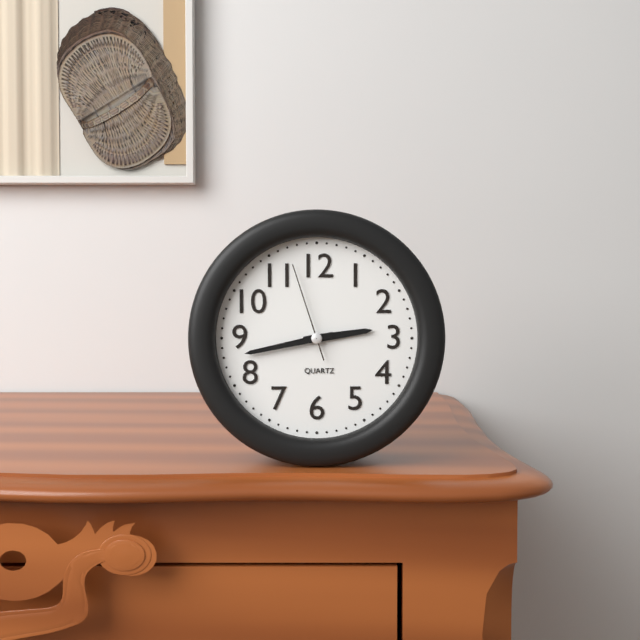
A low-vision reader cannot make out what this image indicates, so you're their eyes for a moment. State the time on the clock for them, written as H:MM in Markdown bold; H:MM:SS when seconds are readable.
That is **2:43:57**
